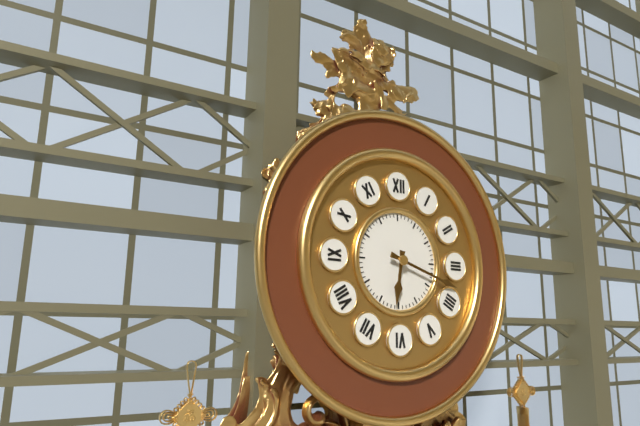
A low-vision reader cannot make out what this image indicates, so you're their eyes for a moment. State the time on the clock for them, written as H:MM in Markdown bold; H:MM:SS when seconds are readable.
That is **6:18**
